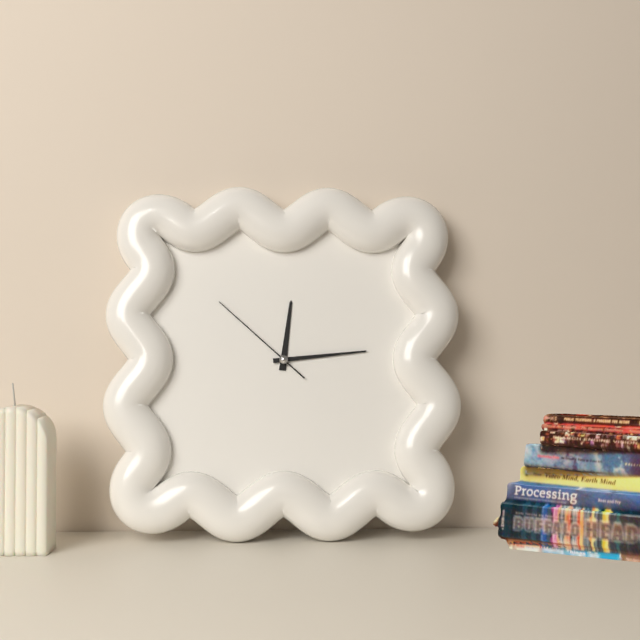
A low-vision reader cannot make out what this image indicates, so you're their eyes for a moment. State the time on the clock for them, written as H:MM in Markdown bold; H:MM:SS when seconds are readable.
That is **12:14:52**
